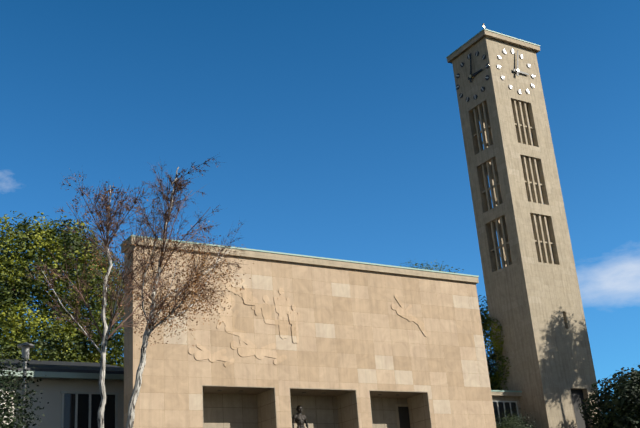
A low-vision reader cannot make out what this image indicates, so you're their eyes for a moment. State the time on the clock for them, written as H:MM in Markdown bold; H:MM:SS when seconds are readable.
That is **3:02**
